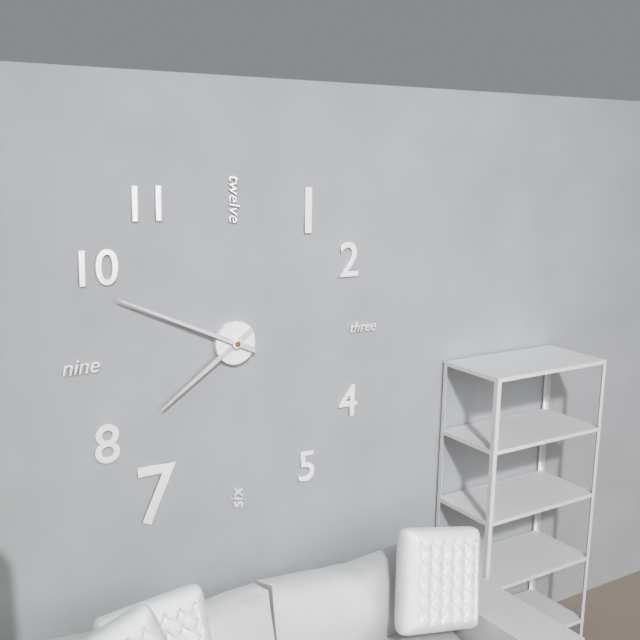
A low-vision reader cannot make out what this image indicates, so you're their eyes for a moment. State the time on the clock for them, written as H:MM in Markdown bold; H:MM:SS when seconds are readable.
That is **7:49**
